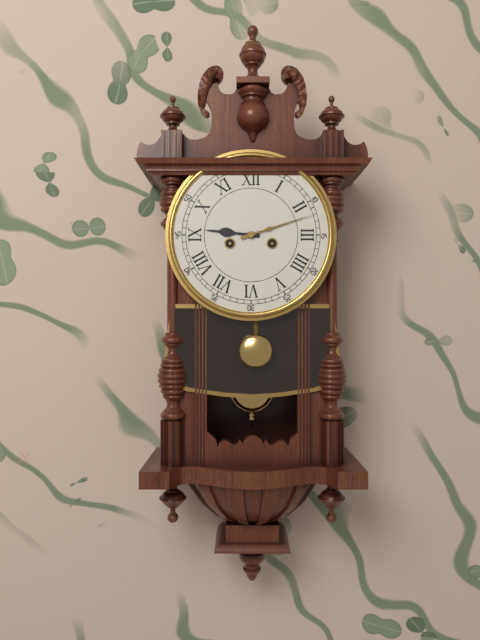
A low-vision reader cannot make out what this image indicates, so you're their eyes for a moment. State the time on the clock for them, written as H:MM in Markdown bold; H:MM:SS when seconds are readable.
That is **9:12**
